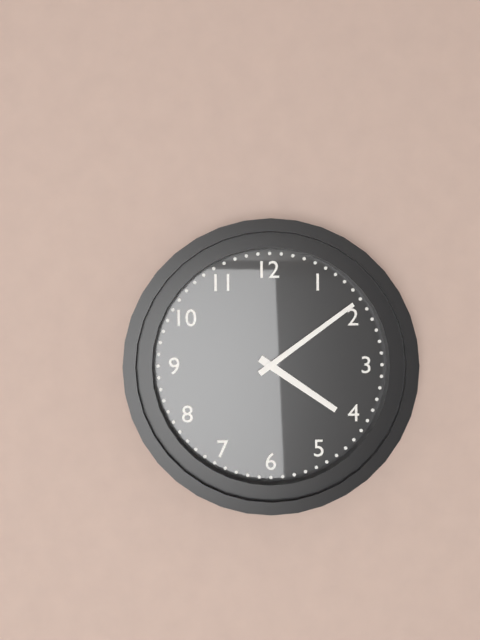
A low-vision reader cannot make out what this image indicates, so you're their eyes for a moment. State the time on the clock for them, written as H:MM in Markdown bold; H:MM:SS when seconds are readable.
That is **4:09**
